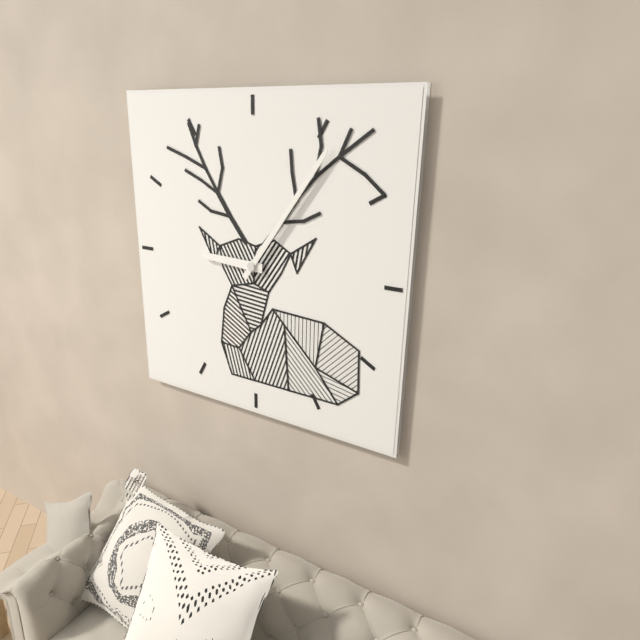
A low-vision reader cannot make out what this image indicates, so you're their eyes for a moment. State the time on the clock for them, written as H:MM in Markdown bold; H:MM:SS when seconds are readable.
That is **9:06**
